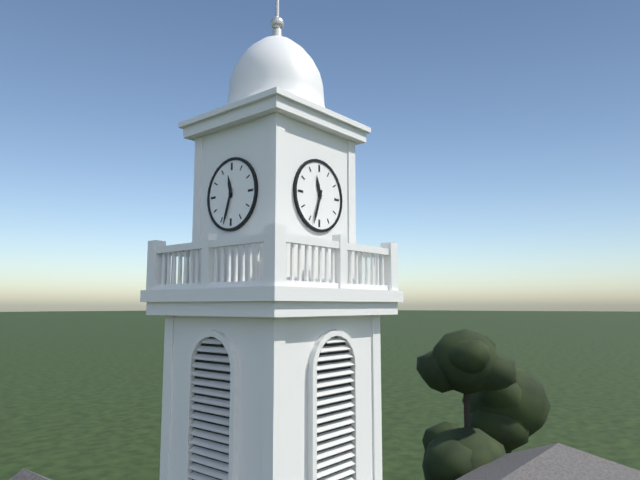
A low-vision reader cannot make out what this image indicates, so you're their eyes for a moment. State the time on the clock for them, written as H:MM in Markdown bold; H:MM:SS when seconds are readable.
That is **11:33**
